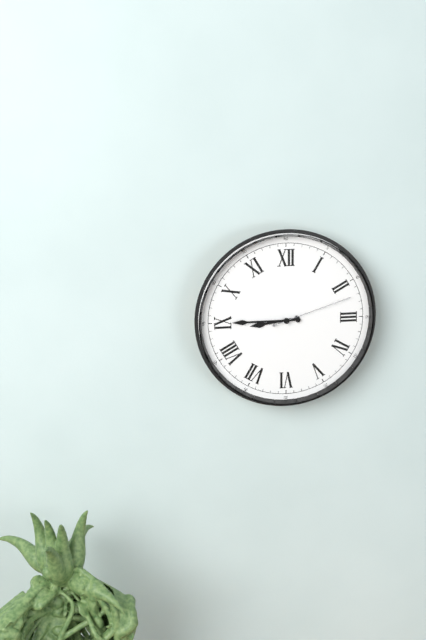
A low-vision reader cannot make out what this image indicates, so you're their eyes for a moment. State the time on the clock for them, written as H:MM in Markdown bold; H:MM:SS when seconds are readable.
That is **8:45:12**
